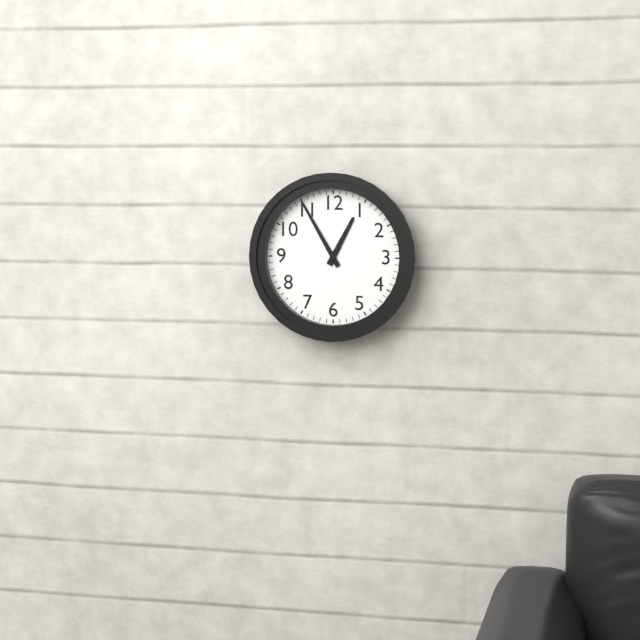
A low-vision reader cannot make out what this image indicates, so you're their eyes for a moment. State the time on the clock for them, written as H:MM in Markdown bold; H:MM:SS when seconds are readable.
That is **12:55**
